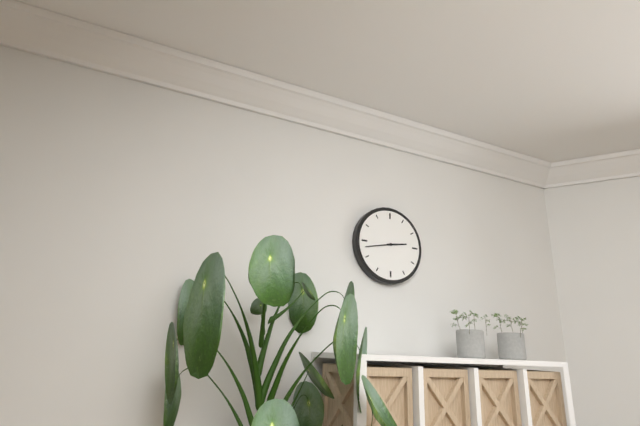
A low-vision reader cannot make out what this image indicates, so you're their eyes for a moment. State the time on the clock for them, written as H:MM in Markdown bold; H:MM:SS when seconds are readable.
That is **2:43**
